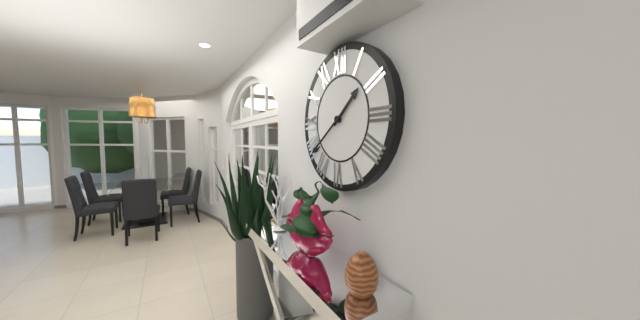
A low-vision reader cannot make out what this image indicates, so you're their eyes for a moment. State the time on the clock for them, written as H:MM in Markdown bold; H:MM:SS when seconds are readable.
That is **1:39**
